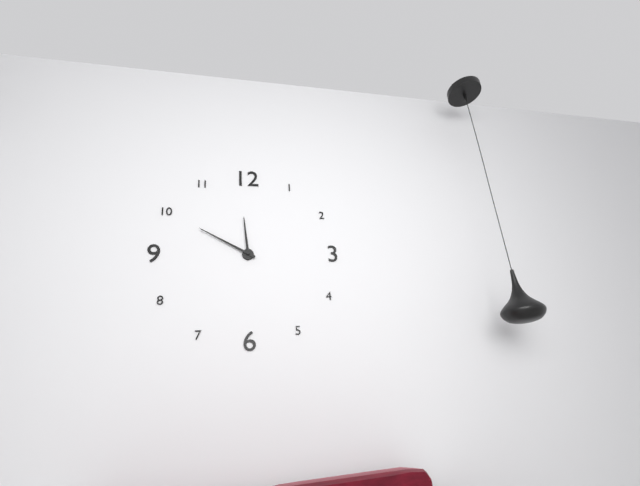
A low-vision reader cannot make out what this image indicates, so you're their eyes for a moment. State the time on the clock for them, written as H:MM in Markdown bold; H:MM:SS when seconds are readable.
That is **11:50**
